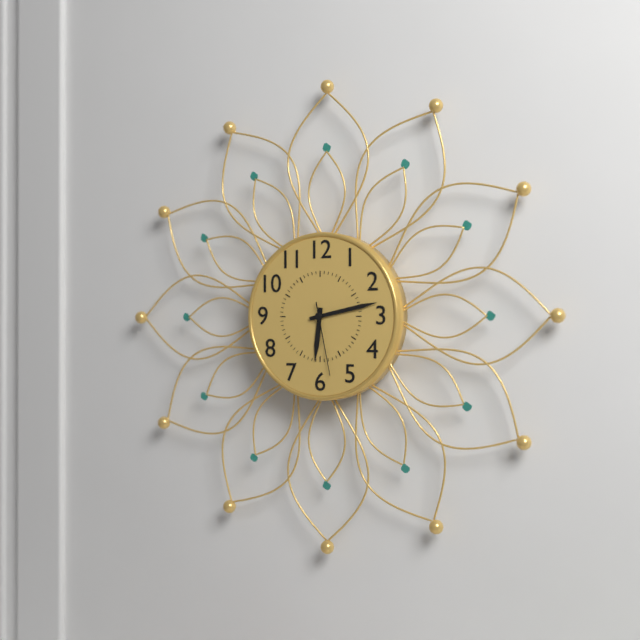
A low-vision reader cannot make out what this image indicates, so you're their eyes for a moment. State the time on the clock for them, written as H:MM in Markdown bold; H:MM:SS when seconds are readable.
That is **6:13:28**
